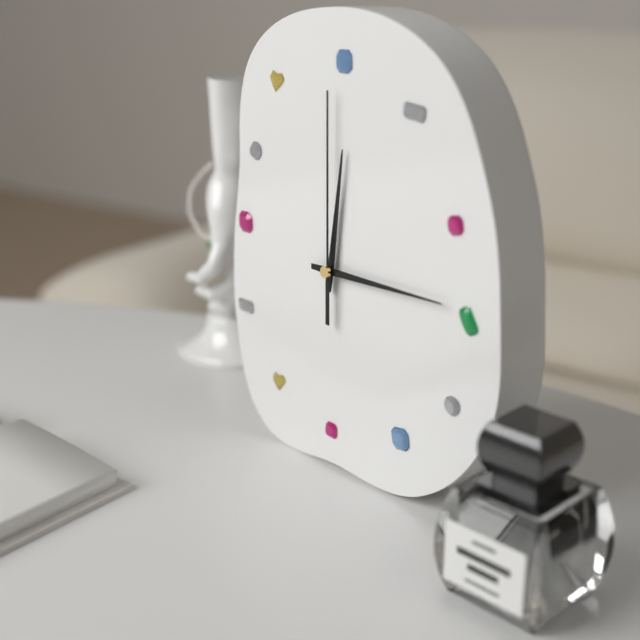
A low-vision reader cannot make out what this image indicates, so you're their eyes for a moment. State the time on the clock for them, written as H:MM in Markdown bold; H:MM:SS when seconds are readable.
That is **12:15:00**
